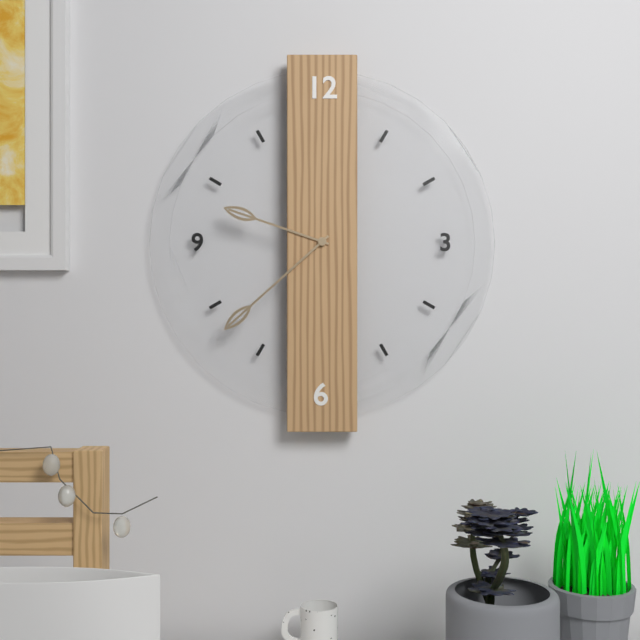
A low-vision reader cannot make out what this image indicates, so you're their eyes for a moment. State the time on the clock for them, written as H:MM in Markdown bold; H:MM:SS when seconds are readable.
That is **9:38**
